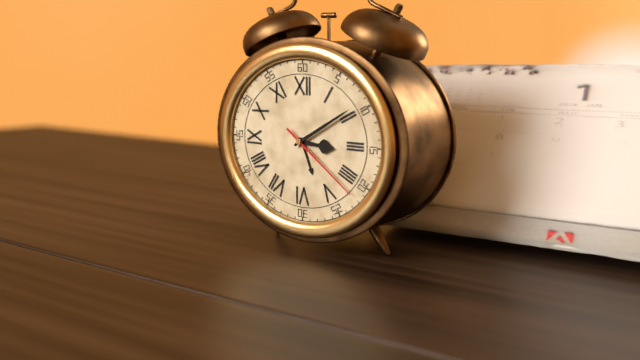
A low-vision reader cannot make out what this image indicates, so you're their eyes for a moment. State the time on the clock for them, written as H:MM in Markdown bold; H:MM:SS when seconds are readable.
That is **3:10:21**
